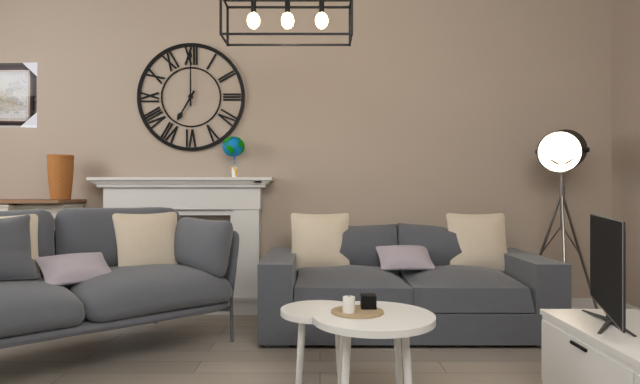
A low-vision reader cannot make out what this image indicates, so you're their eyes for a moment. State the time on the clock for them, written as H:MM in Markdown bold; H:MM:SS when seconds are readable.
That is **7:00**
